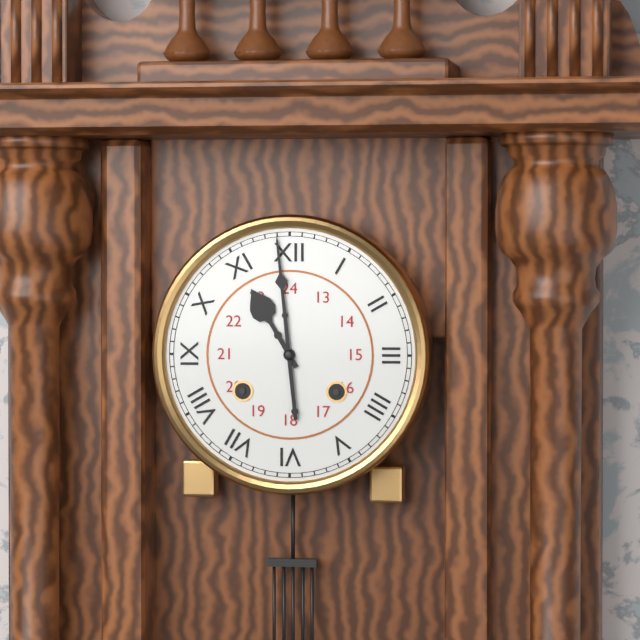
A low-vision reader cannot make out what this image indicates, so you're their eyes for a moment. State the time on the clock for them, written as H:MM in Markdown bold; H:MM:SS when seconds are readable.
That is **10:59**
